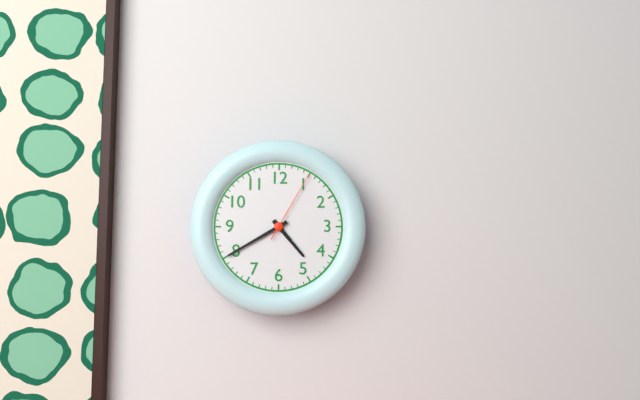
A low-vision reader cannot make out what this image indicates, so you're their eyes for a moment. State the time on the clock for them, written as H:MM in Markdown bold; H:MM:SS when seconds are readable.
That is **4:40:05**
